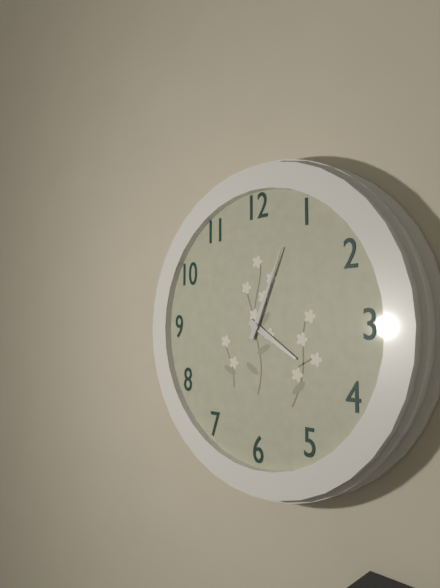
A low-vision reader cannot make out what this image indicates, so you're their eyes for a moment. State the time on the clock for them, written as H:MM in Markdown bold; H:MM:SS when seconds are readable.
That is **4:04**
